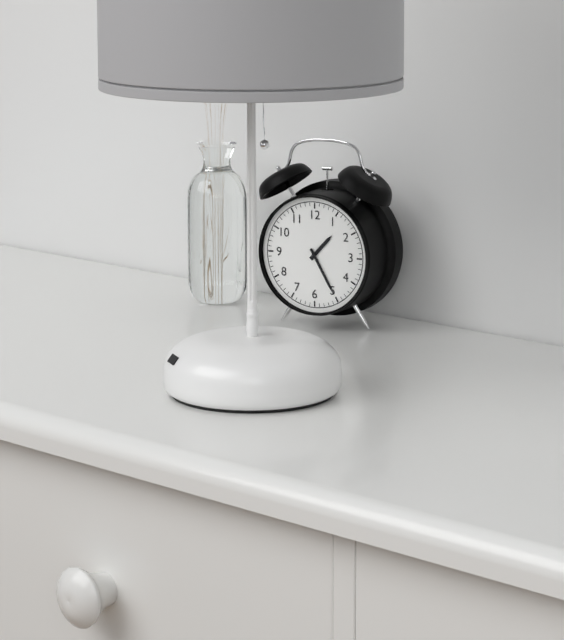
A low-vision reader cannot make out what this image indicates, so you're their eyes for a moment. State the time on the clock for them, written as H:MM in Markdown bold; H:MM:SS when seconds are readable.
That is **1:25**
